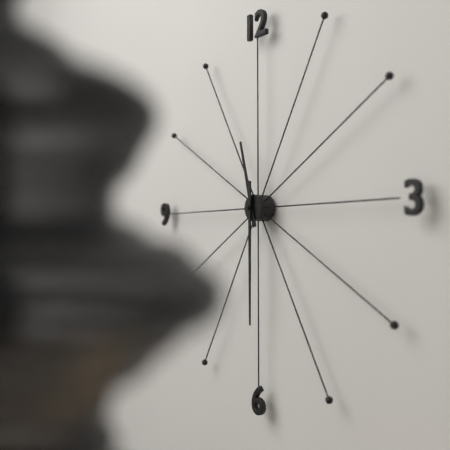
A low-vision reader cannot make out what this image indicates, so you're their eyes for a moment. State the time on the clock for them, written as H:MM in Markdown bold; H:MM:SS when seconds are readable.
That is **11:30**
